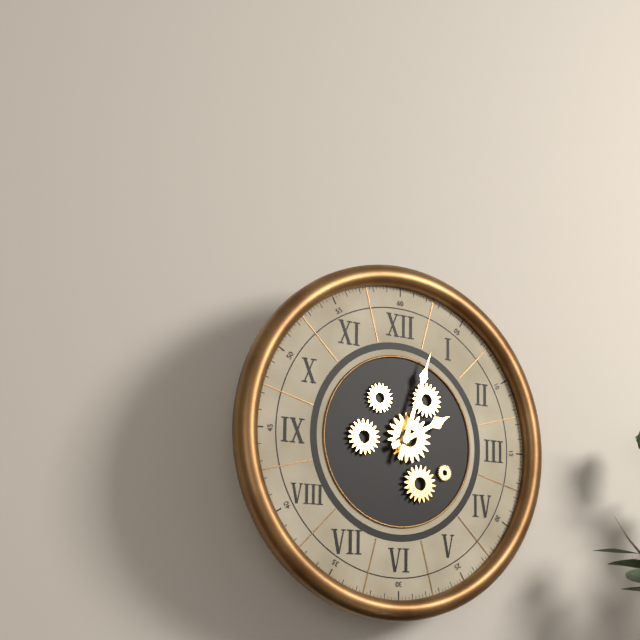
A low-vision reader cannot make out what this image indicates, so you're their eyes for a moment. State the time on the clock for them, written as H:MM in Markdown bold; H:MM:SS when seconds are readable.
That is **2:03**
